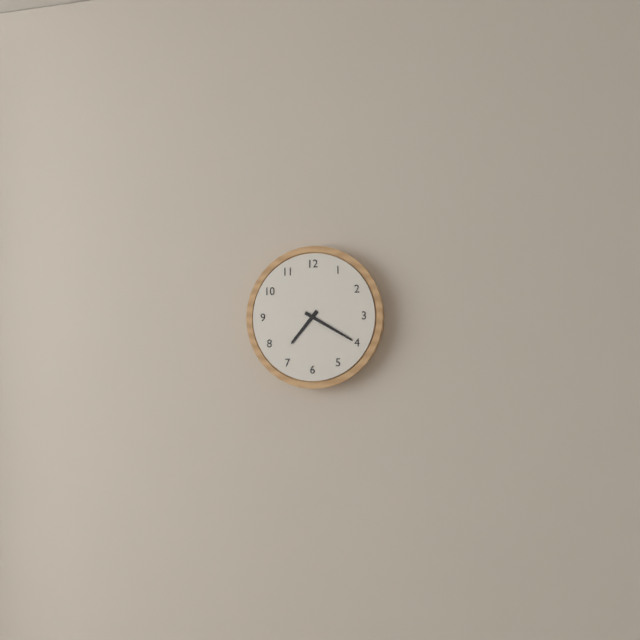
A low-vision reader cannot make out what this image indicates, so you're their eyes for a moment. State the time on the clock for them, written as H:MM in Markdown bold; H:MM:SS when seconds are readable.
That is **7:20**
